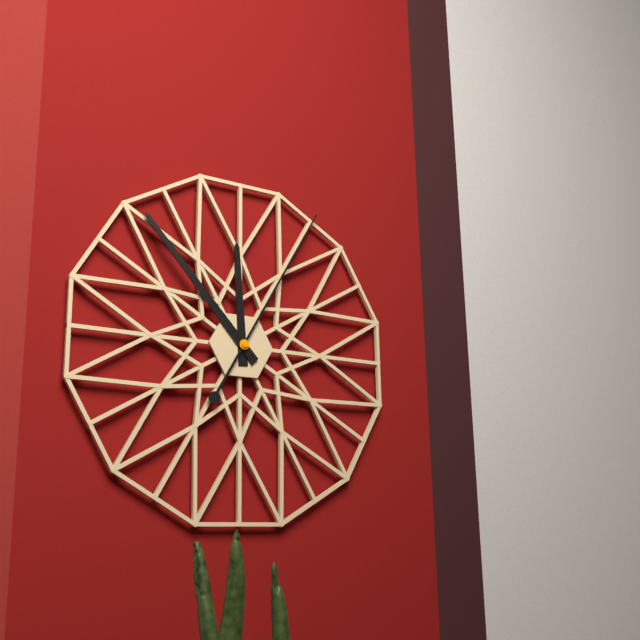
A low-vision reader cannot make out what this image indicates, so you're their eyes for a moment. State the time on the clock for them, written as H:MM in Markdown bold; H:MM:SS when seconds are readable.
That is **11:53:05**
